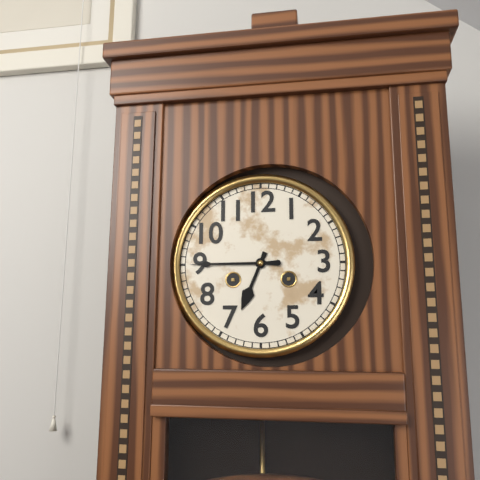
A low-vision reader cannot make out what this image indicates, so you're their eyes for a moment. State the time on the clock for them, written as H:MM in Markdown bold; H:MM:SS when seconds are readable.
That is **6:45**
